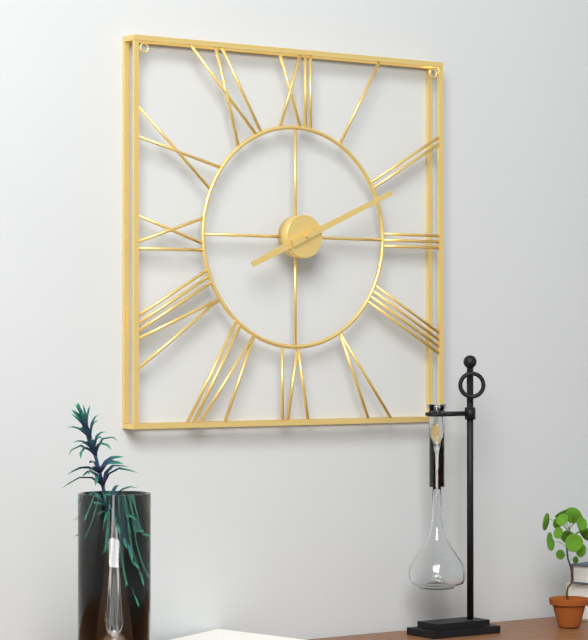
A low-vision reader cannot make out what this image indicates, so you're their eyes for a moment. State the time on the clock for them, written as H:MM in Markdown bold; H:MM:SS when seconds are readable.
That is **8:11**
